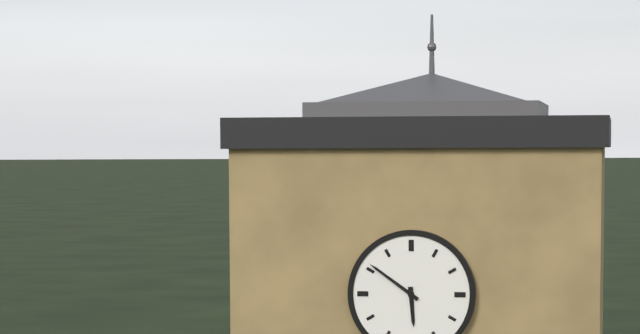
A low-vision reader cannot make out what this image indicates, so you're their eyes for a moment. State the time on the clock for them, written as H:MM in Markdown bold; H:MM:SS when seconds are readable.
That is **5:51**
